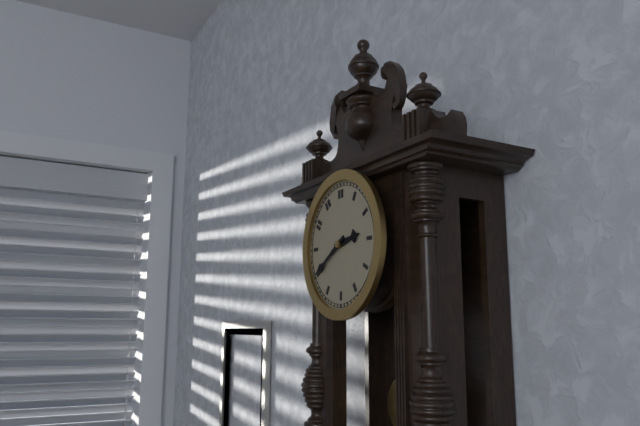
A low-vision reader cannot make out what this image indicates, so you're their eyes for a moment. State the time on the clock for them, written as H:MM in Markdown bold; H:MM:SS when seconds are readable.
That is **2:40**
